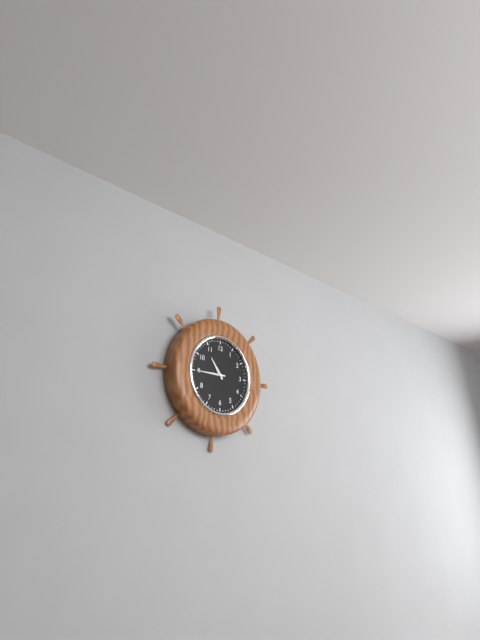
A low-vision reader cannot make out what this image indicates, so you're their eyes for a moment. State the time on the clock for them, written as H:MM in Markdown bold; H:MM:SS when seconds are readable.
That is **10:45**
